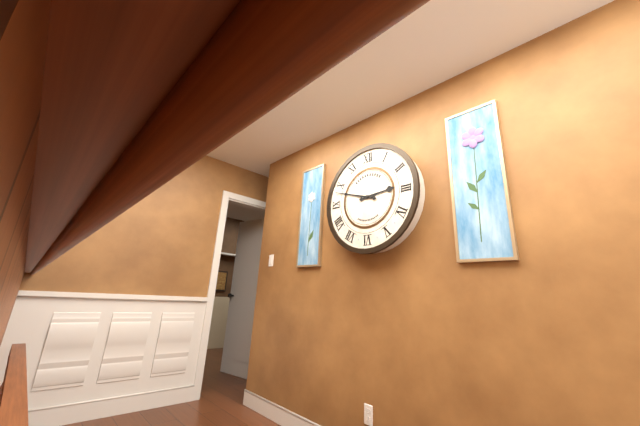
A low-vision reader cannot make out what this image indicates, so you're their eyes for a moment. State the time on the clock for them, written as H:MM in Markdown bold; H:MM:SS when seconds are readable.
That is **2:48**
